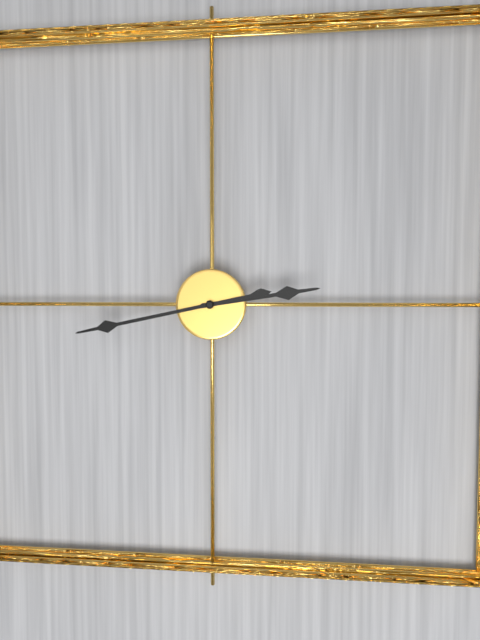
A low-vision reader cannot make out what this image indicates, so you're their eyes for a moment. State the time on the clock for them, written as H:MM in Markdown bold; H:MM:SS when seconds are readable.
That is **2:43**
